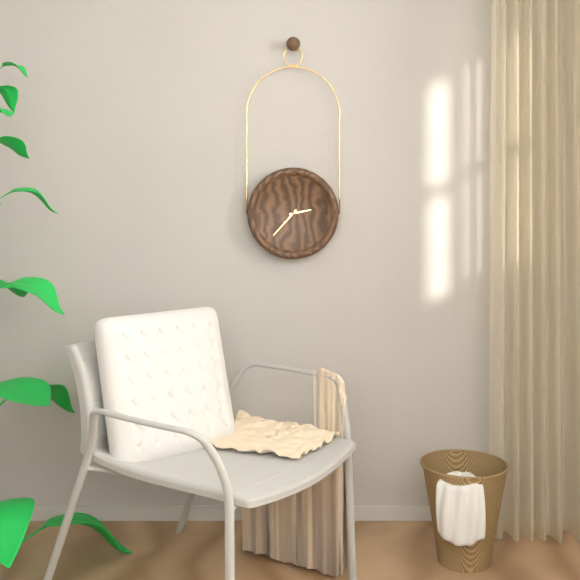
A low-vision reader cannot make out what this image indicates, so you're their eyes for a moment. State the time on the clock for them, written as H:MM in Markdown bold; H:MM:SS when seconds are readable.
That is **2:37**
